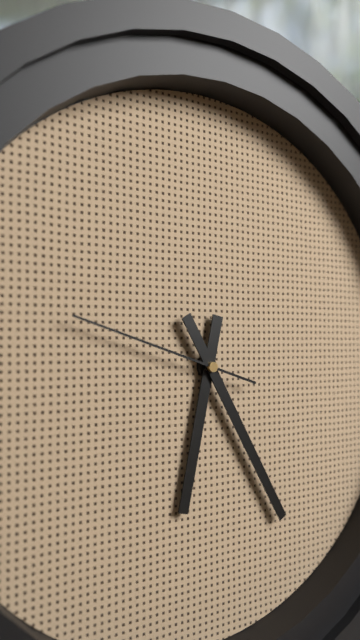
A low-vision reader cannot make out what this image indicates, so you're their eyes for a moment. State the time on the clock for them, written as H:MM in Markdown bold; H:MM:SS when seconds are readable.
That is **6:25:48**
